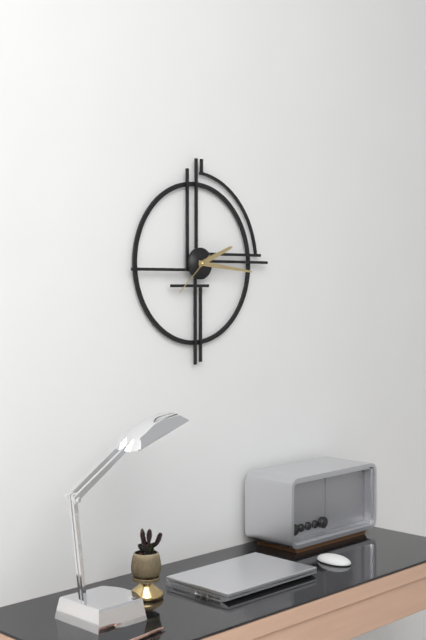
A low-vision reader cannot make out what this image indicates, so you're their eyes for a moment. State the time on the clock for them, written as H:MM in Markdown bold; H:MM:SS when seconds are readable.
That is **2:16**
